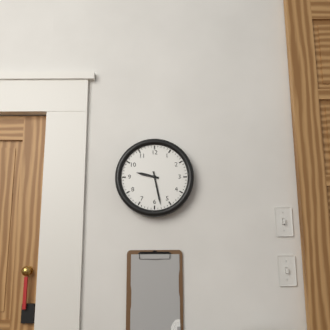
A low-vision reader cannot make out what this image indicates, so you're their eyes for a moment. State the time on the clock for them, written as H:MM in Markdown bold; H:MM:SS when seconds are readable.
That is **9:28**
